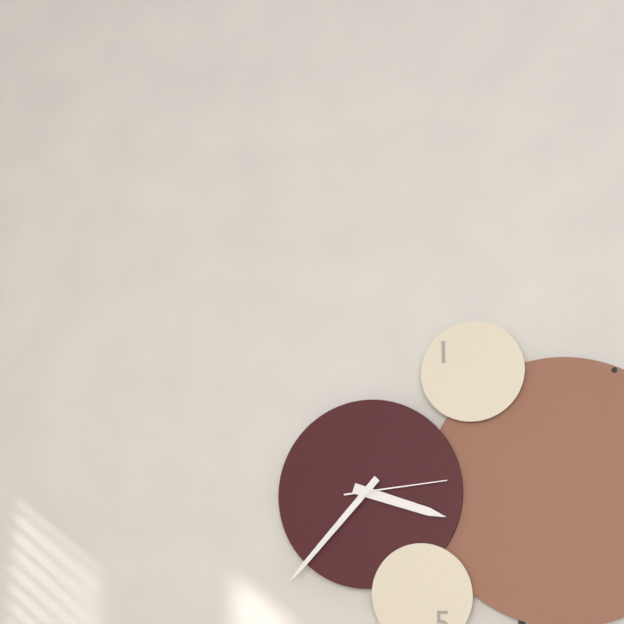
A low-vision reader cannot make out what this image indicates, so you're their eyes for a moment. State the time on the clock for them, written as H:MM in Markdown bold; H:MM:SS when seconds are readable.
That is **3:37:14**
